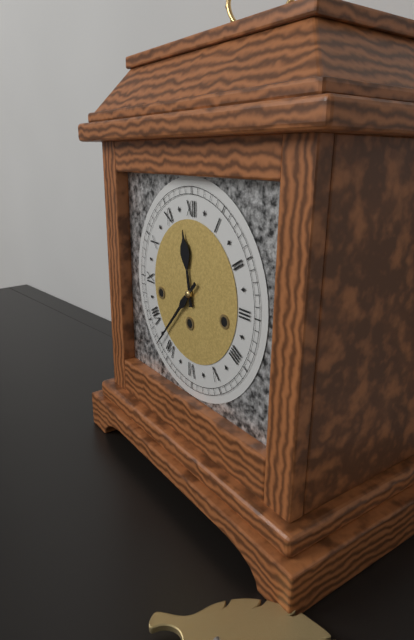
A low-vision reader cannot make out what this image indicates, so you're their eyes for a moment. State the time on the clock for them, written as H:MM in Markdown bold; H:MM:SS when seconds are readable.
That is **11:37**
